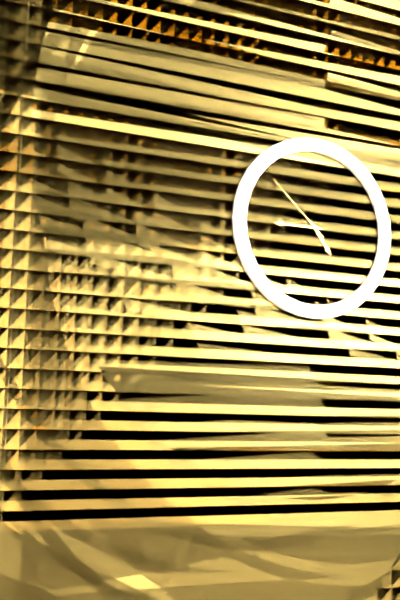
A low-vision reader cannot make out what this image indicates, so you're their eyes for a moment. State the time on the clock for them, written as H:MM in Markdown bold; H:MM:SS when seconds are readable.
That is **4:45:52**
